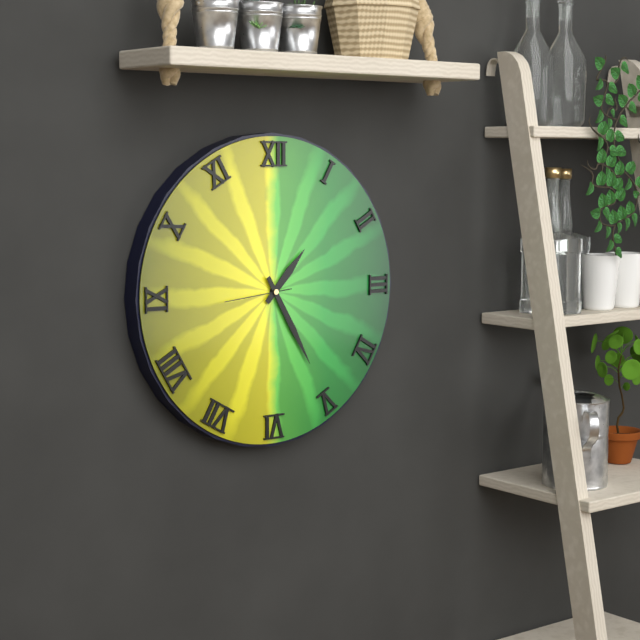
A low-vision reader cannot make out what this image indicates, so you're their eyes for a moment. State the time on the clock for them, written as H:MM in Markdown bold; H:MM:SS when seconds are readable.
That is **1:25:44**
